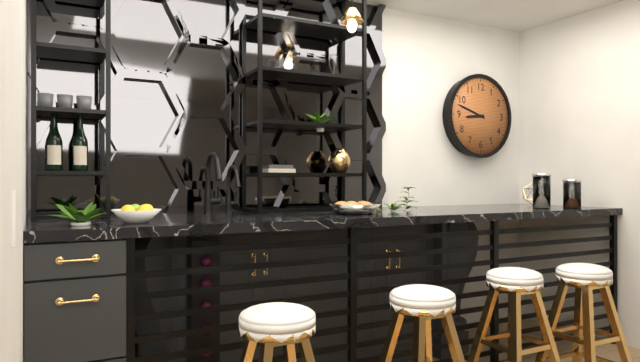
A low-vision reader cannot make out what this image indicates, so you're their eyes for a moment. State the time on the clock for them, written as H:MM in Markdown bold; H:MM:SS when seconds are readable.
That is **8:48**
